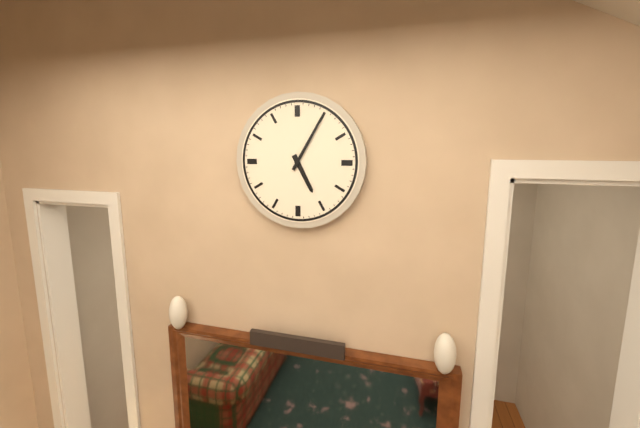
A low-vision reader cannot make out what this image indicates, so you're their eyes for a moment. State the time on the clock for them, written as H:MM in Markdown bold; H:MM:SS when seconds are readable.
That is **5:05**
